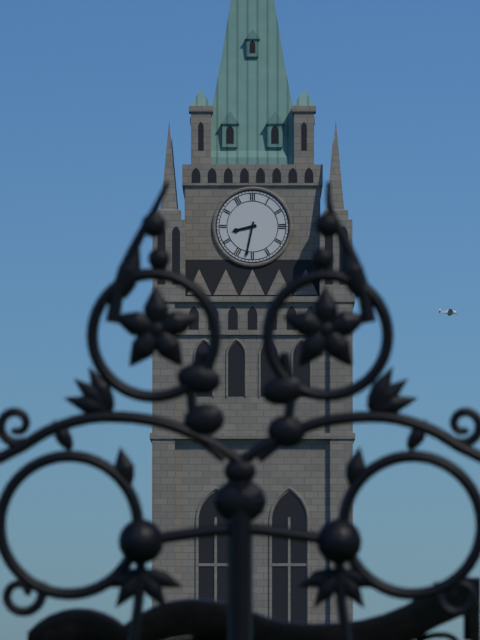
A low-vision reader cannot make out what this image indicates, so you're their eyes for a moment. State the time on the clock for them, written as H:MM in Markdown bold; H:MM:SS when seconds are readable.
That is **8:32**
